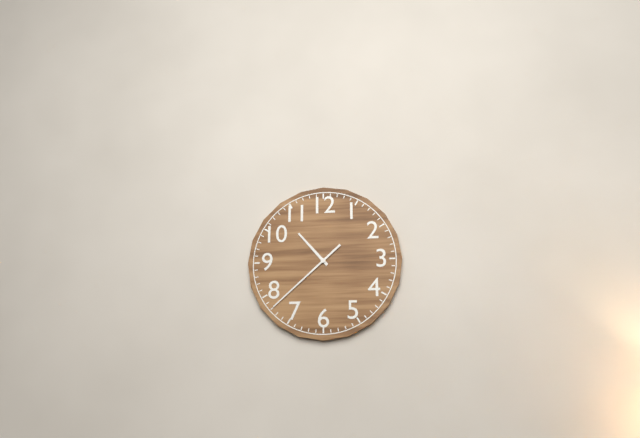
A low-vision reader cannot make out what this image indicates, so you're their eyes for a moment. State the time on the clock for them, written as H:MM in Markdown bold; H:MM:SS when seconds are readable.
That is **10:38**
